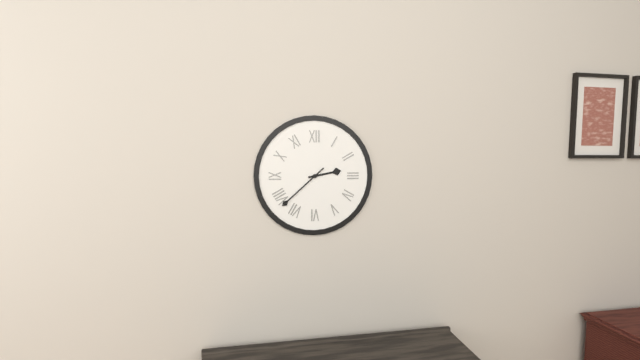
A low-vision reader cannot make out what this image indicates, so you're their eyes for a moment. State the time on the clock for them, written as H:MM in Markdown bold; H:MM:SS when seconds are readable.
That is **2:38**
